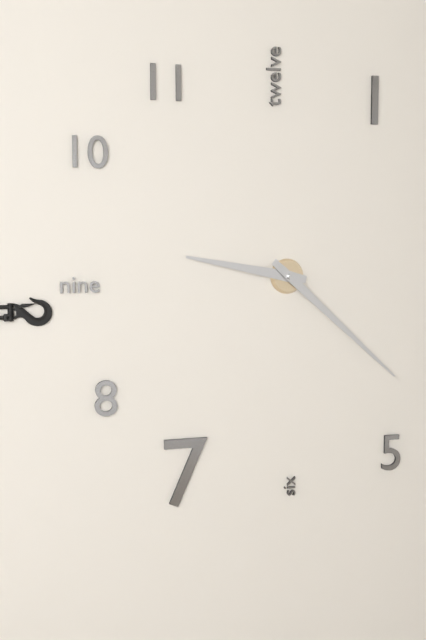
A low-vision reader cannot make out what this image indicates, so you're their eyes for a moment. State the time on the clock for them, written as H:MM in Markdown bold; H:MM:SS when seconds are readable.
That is **9:22**
